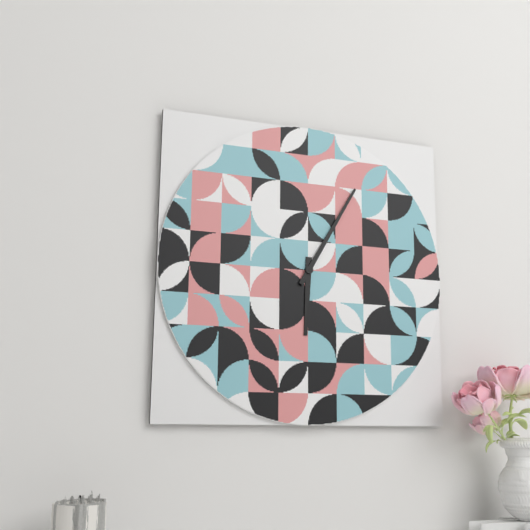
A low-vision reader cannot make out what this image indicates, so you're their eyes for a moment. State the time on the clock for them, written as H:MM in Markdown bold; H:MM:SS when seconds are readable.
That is **6:05**
